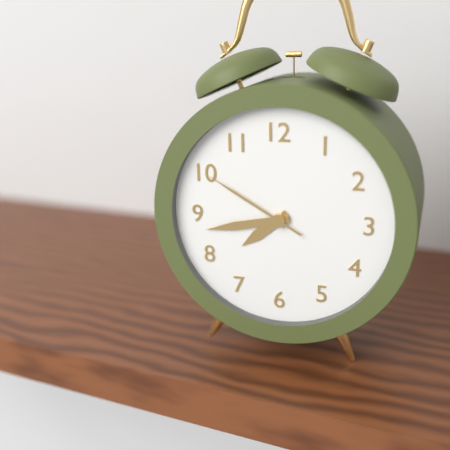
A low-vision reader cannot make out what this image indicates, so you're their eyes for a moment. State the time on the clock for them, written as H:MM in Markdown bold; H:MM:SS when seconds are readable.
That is **7:43:50**
